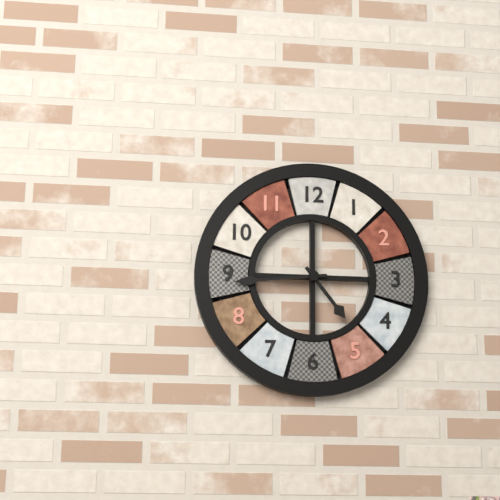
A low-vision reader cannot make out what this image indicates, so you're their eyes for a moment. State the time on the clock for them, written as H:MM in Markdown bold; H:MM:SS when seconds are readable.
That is **4:44**
